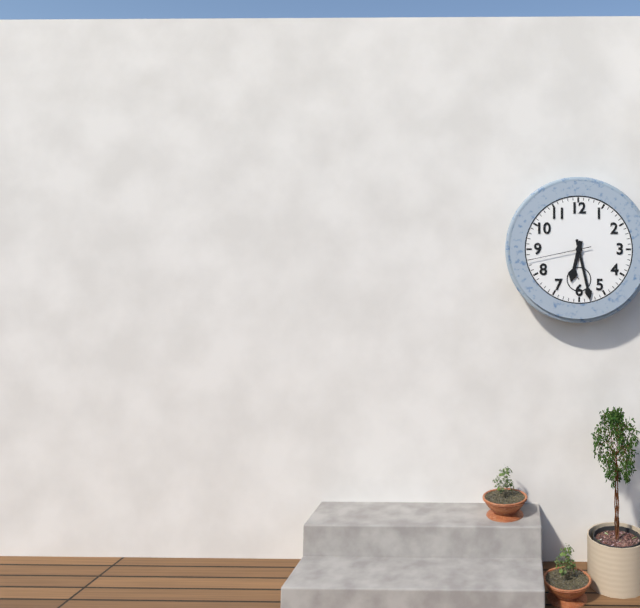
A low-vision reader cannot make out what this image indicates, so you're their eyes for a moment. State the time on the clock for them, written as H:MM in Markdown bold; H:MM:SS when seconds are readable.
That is **6:28:43**
